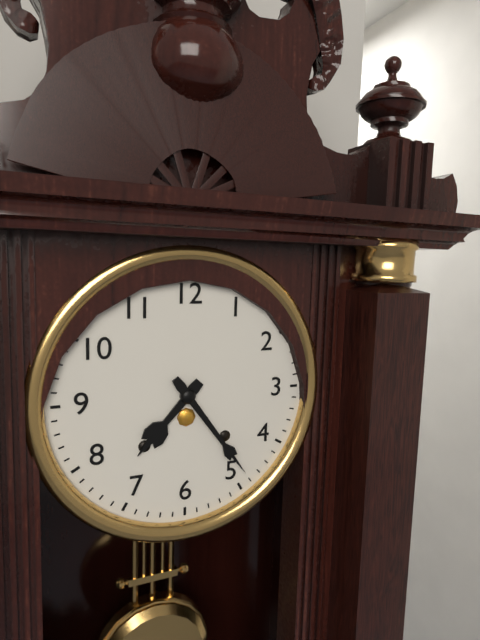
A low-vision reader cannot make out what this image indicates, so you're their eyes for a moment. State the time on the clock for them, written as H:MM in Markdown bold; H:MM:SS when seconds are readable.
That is **7:24**
